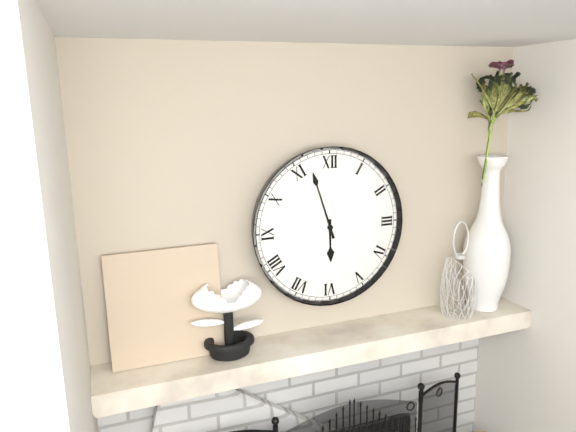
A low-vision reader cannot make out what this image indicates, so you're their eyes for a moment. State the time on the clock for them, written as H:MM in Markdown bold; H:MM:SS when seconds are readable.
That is **5:57**
